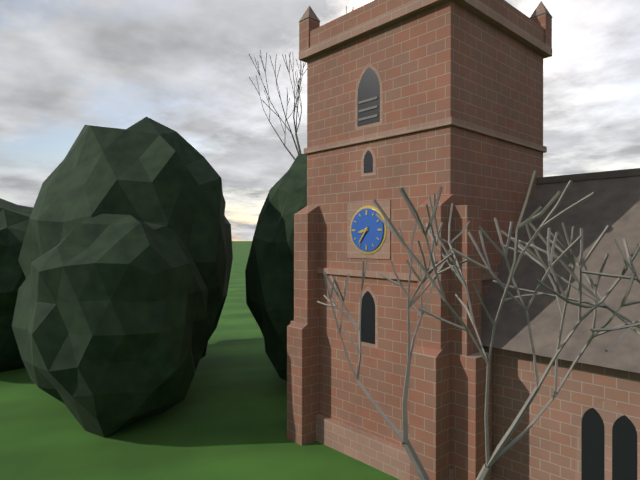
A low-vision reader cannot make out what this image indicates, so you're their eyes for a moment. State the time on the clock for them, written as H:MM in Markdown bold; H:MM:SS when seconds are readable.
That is **8:36**
